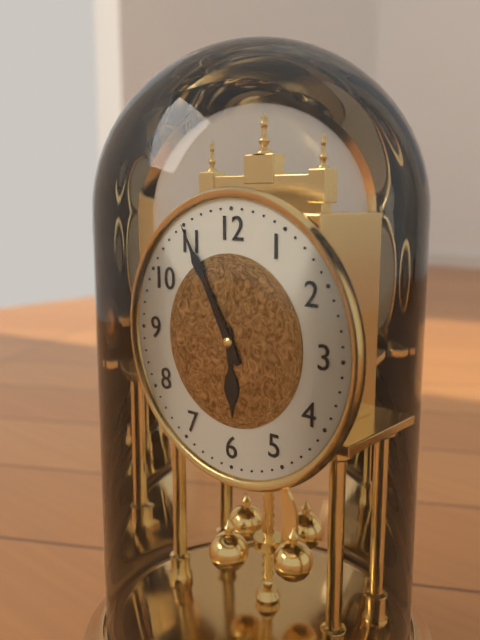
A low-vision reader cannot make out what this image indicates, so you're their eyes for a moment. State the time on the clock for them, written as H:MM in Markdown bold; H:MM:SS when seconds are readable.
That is **5:55**
